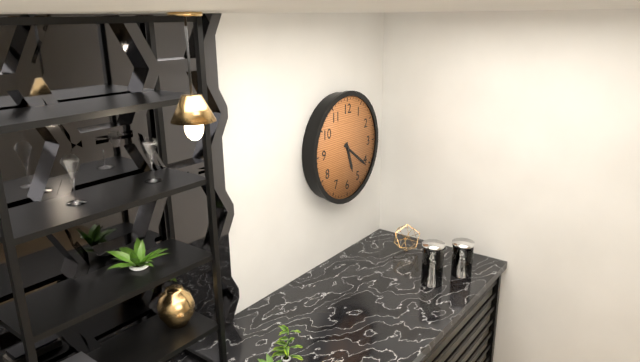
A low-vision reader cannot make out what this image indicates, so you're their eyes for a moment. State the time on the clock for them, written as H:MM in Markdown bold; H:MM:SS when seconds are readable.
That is **5:21**
